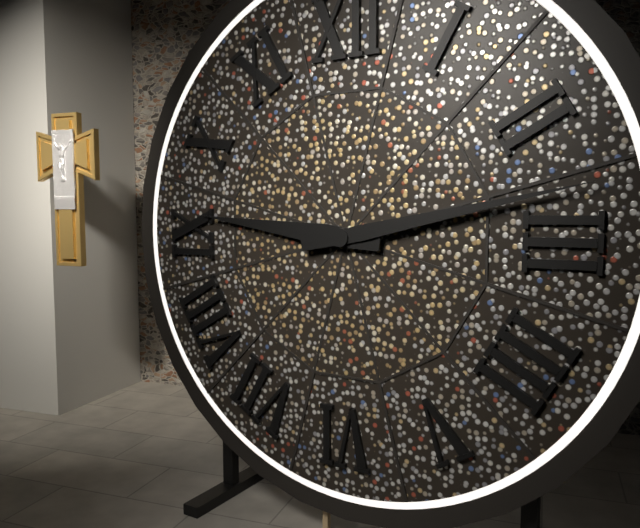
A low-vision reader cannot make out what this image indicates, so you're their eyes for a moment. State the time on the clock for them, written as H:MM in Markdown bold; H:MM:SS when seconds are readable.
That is **9:13**
